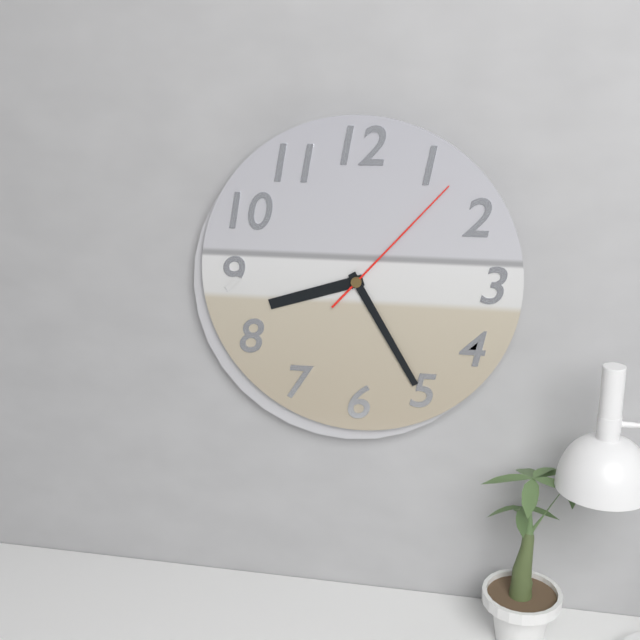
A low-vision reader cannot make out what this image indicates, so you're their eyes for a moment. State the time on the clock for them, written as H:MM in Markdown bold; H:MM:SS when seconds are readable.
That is **8:25:07**
